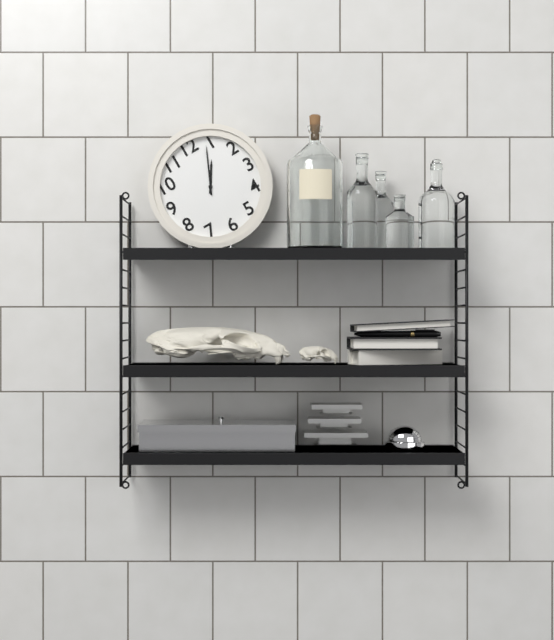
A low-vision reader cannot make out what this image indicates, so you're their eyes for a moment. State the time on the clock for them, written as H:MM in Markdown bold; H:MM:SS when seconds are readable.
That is **1:04**
